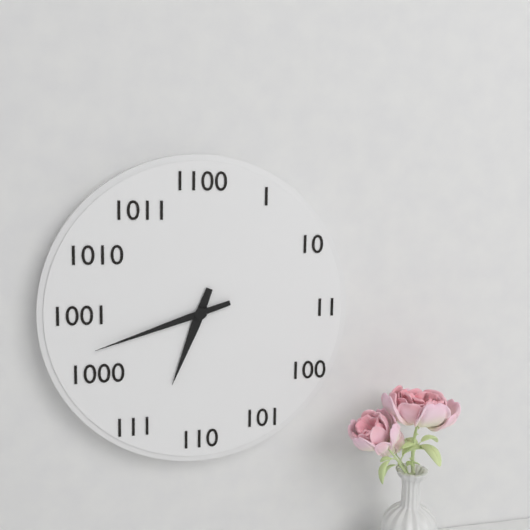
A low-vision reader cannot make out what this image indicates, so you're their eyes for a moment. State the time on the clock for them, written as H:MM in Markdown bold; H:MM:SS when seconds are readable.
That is **6:42**
